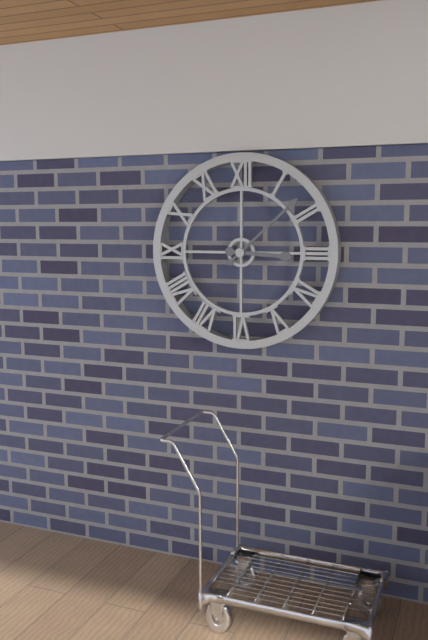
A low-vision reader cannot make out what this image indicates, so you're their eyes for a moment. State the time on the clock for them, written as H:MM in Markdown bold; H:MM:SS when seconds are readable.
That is **3:08**
